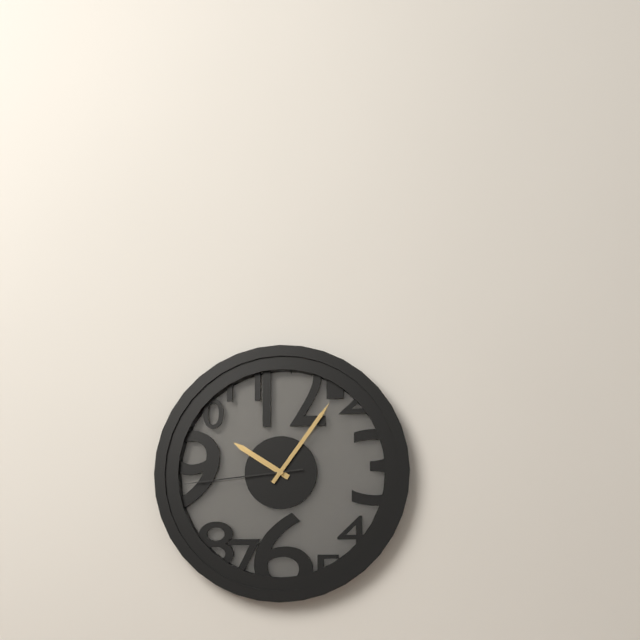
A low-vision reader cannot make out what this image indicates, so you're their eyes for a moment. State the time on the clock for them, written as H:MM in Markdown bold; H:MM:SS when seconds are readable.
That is **10:06:44**
